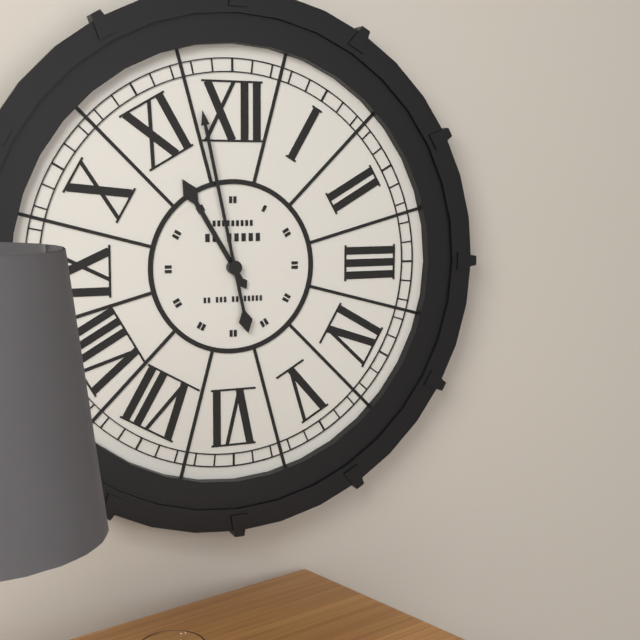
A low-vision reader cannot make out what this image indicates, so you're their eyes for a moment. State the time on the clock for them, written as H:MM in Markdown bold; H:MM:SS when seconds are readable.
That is **10:58**
